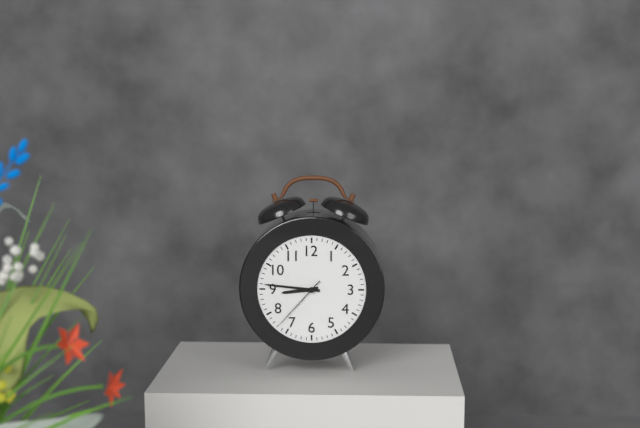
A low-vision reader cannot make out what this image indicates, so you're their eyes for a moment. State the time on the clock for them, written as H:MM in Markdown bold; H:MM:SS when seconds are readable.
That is **8:46:37**
